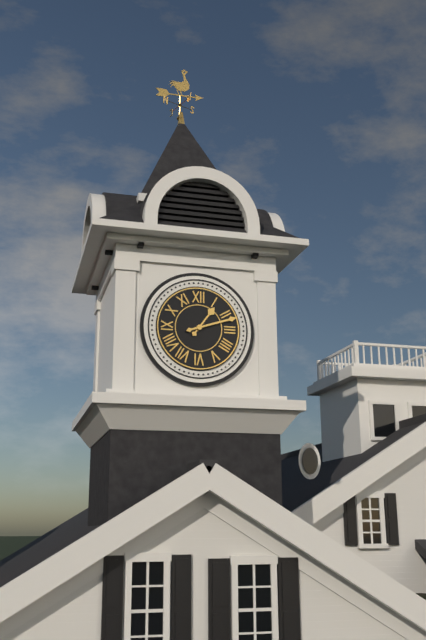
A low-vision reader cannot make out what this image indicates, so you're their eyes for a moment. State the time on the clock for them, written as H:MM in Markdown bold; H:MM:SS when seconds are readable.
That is **1:12**
